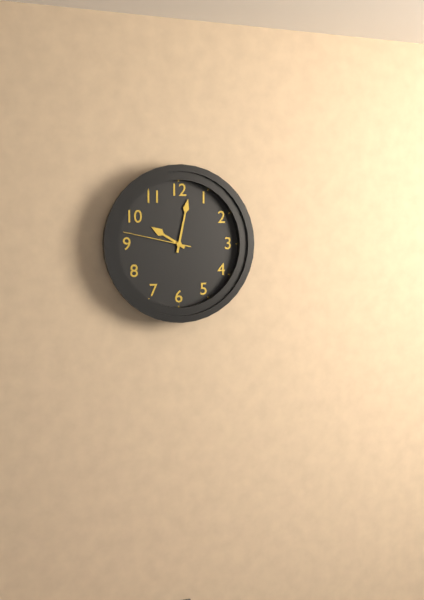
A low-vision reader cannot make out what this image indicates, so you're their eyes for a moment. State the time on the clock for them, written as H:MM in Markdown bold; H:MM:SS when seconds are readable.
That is **10:02:47**
